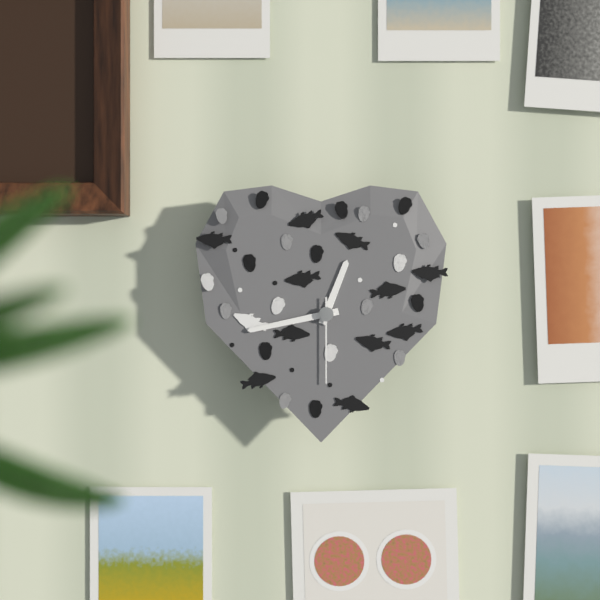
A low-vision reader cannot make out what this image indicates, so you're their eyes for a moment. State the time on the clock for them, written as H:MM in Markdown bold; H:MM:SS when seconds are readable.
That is **12:43:30**
